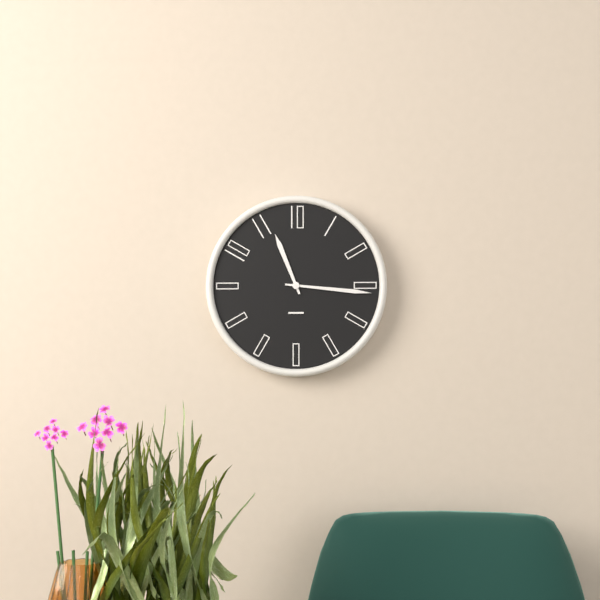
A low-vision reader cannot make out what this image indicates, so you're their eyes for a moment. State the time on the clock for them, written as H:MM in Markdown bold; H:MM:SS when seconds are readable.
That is **11:16**
